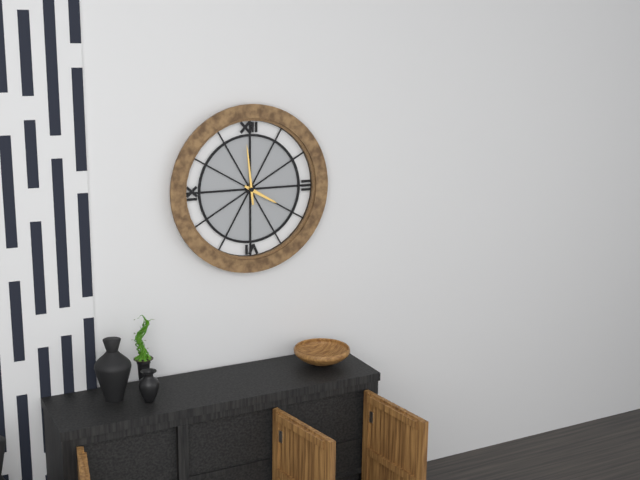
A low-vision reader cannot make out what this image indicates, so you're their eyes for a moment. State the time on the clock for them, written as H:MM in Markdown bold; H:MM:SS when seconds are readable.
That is **3:59**
